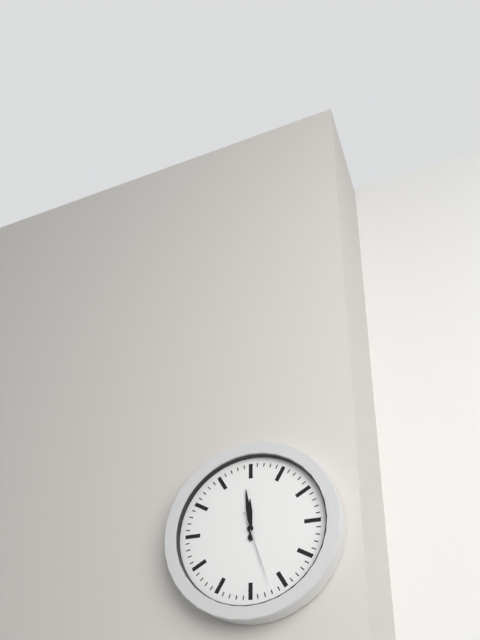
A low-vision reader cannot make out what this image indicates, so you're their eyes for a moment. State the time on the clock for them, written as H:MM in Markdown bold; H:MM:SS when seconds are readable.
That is **11:59:27**
